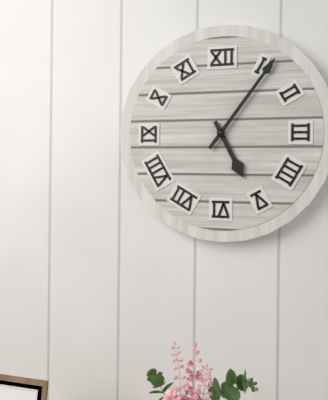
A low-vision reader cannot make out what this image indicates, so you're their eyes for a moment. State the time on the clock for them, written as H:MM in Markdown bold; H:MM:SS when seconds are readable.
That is **5:06**
